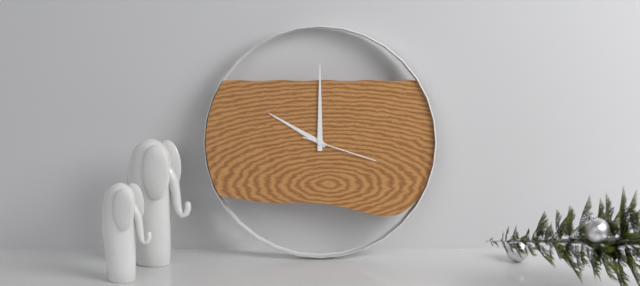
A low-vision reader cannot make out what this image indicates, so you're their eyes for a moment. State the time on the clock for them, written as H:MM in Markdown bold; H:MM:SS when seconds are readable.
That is **10:00:18**
